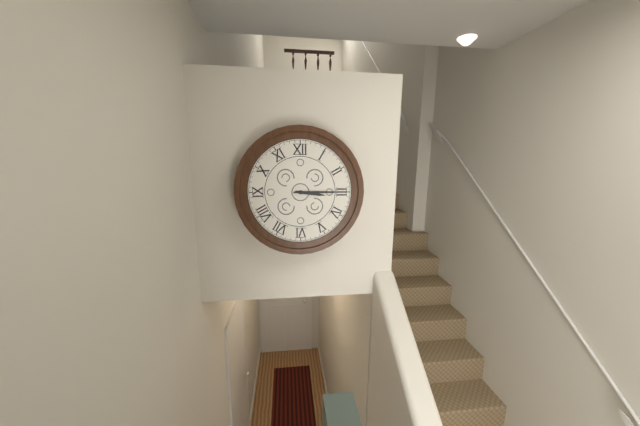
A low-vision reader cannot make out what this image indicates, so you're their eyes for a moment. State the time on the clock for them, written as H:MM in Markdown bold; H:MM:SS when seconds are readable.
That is **3:15**
